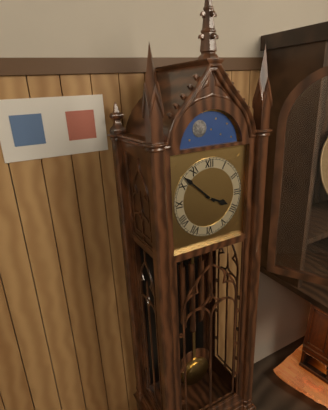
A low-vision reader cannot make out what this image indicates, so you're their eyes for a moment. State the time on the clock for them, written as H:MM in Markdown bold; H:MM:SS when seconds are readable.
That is **3:52**
